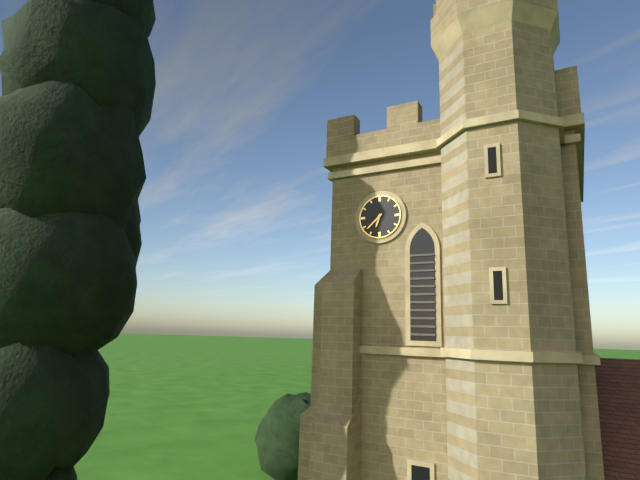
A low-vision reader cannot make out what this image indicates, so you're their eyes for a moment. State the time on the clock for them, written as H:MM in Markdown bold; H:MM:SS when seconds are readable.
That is **6:38**
